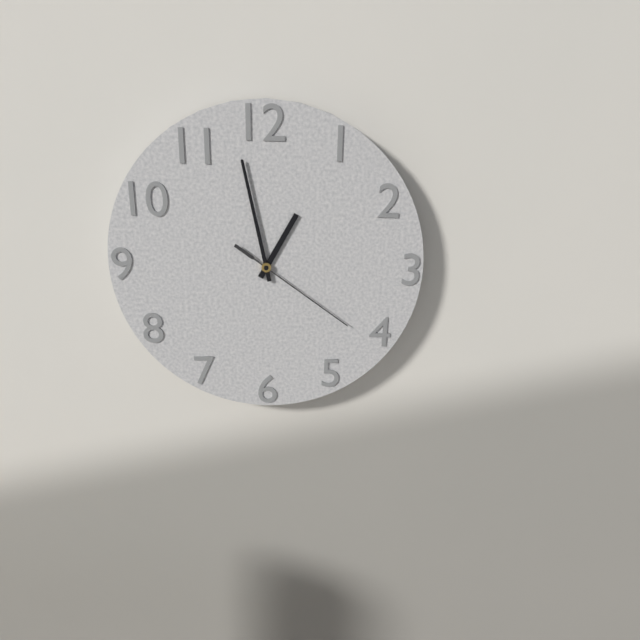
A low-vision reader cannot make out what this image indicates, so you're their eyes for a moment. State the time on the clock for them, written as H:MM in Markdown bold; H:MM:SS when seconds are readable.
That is **12:58:21**
